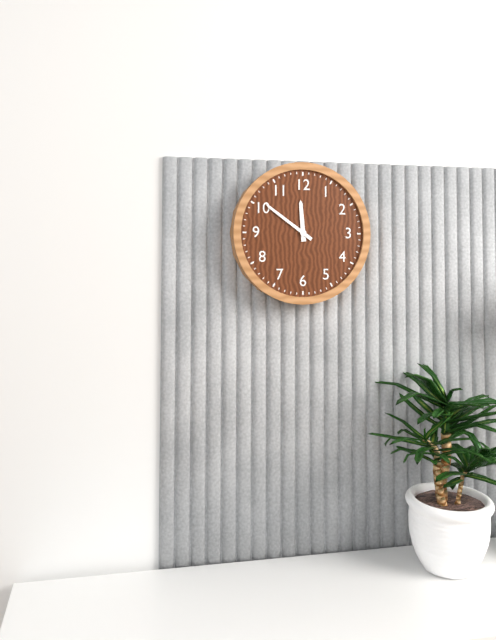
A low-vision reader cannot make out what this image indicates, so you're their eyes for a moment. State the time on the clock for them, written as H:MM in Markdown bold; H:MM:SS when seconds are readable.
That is **11:51**
